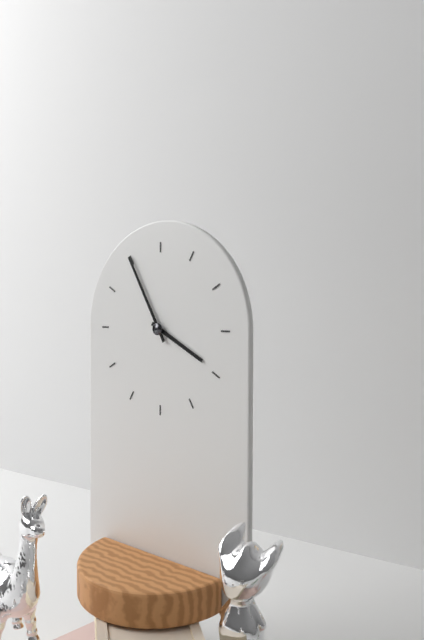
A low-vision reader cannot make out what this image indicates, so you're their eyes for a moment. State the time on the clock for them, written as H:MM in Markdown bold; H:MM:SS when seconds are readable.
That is **3:55**
